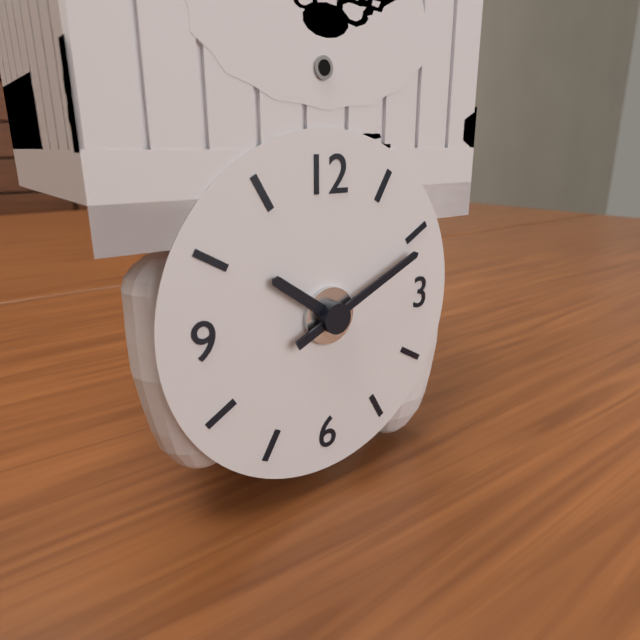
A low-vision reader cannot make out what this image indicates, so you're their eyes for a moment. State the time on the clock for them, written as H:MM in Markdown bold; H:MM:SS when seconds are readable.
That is **10:11**
